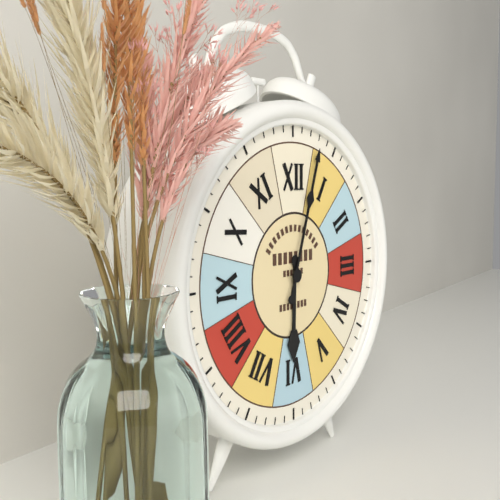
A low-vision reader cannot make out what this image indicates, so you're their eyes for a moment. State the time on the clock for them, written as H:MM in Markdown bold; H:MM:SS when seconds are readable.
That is **6:03**
